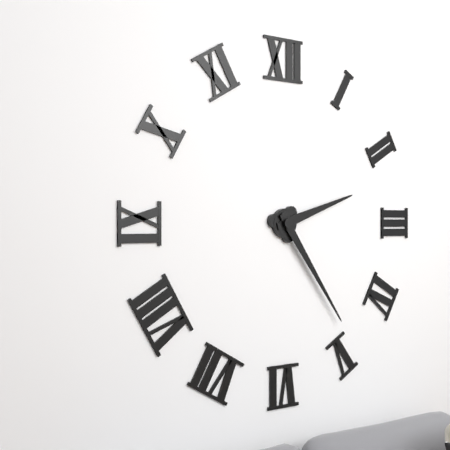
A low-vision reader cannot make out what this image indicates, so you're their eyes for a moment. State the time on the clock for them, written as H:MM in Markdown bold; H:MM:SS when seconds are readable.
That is **2:24**
